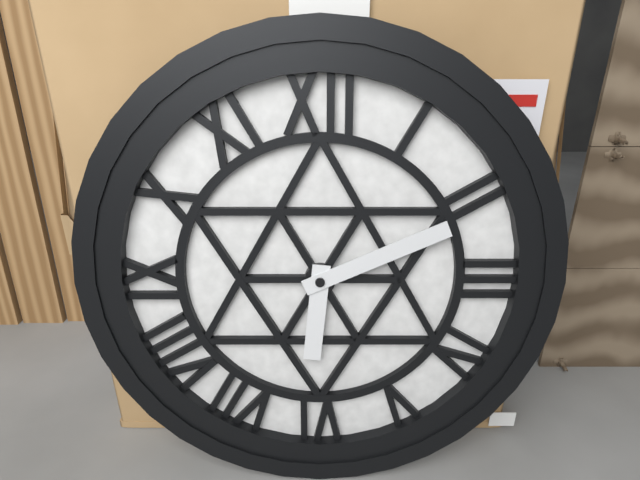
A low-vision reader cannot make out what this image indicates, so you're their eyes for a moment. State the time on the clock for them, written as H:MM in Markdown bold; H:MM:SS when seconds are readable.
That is **6:11**
